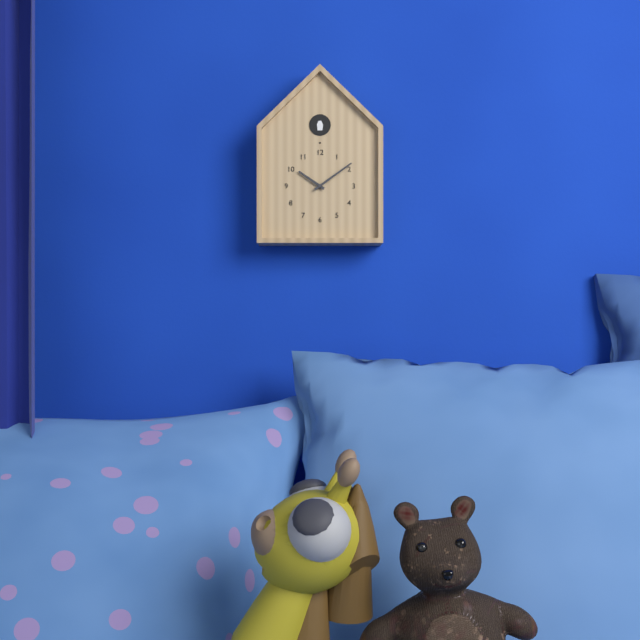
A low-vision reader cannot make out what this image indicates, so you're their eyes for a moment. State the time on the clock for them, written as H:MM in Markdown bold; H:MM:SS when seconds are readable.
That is **10:09**
